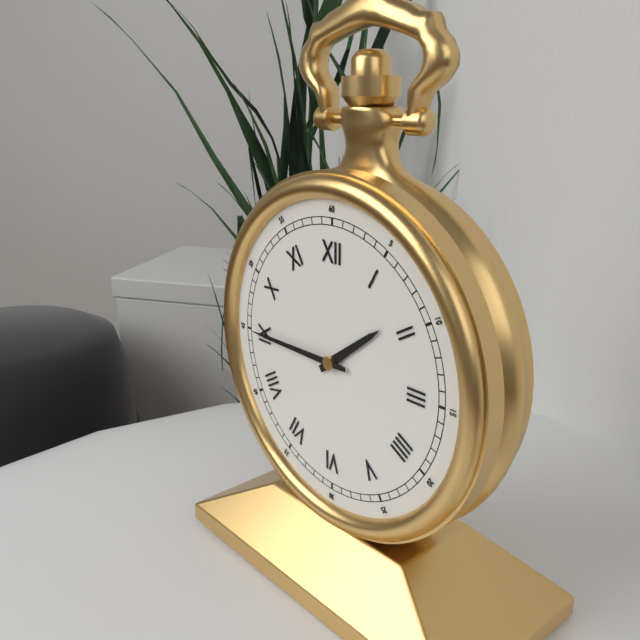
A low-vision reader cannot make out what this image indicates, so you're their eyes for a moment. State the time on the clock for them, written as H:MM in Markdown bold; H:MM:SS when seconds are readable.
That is **1:45**
